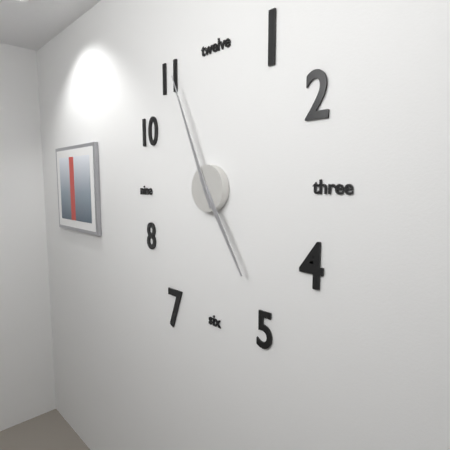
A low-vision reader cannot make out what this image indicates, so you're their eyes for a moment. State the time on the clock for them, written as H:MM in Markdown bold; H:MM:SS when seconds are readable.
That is **4:56**
